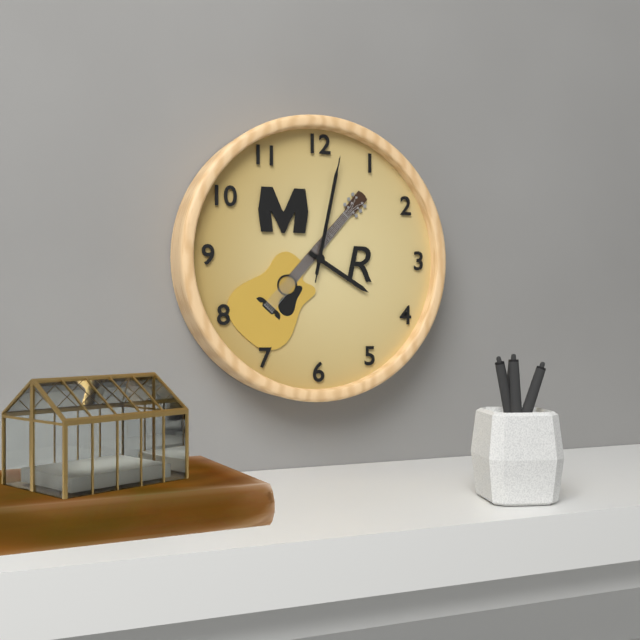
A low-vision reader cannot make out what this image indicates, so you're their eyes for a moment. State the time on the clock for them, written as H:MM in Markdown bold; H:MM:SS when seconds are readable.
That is **4:02:02**
